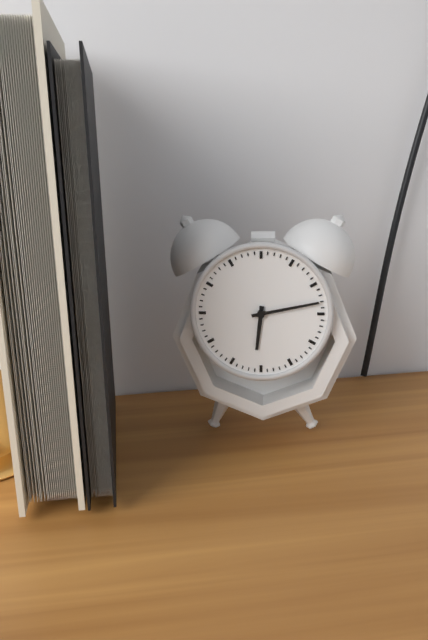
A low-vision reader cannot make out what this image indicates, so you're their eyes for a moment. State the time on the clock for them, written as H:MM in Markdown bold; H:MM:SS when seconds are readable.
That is **6:13**
